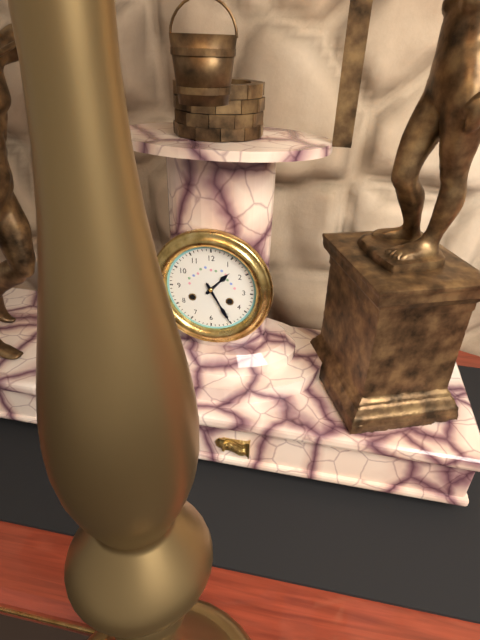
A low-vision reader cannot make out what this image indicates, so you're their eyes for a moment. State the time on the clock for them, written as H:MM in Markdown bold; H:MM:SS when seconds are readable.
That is **1:25**
